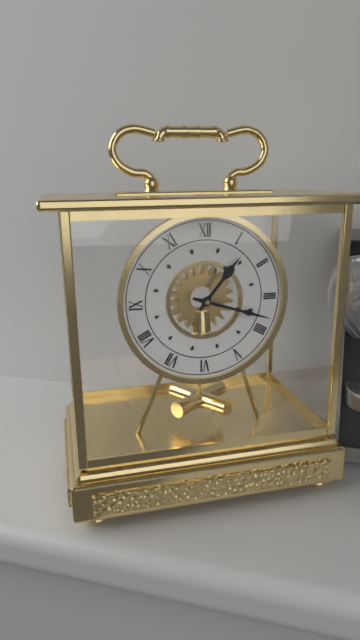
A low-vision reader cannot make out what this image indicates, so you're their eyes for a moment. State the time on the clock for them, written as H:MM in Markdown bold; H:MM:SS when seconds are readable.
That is **1:18**
